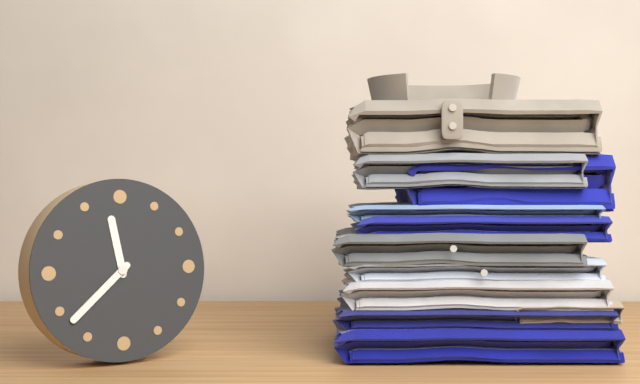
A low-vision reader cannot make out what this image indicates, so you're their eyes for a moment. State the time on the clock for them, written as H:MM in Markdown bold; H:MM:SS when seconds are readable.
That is **11:38**
